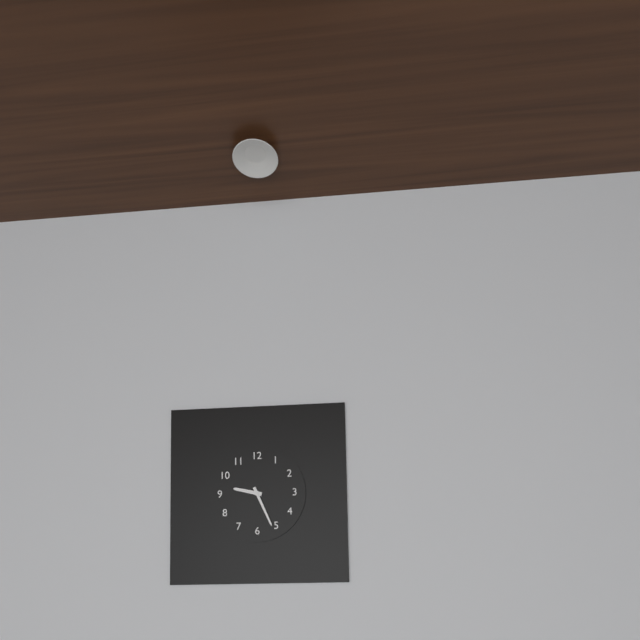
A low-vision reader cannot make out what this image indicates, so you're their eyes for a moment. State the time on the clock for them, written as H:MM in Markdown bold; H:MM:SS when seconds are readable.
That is **9:26**
